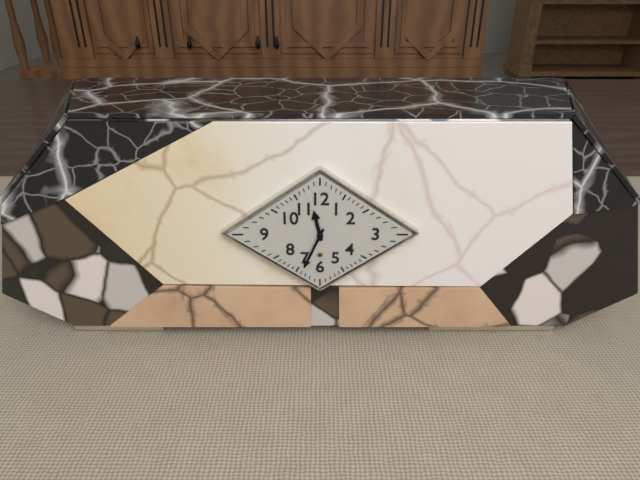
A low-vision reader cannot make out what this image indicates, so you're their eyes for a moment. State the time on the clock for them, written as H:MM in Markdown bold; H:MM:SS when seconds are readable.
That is **11:34**
